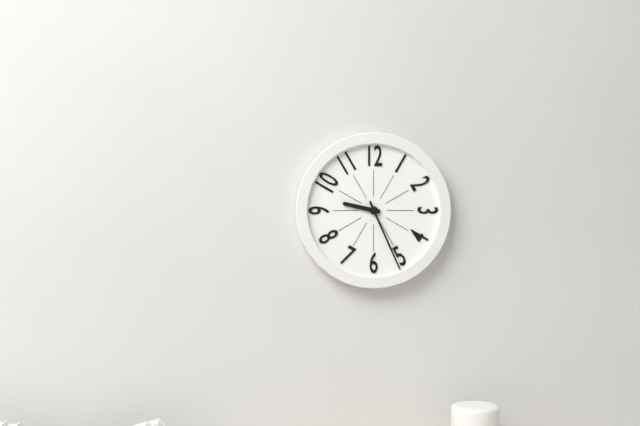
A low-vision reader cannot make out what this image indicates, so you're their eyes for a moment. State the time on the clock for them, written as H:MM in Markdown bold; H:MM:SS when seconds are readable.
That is **9:26**
